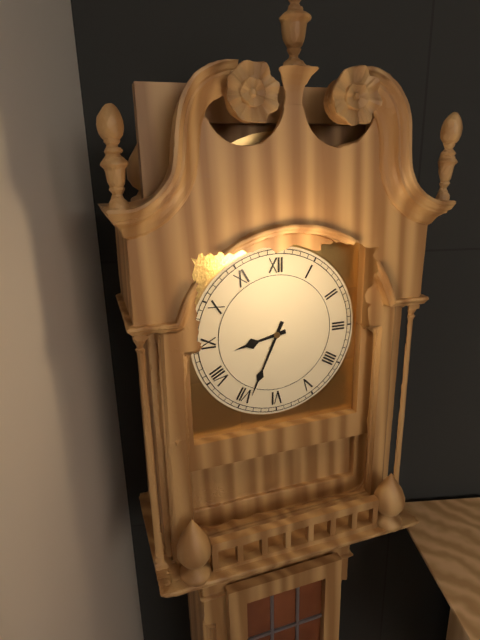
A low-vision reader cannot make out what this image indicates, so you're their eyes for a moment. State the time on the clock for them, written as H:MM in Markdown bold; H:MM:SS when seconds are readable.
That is **8:34**
